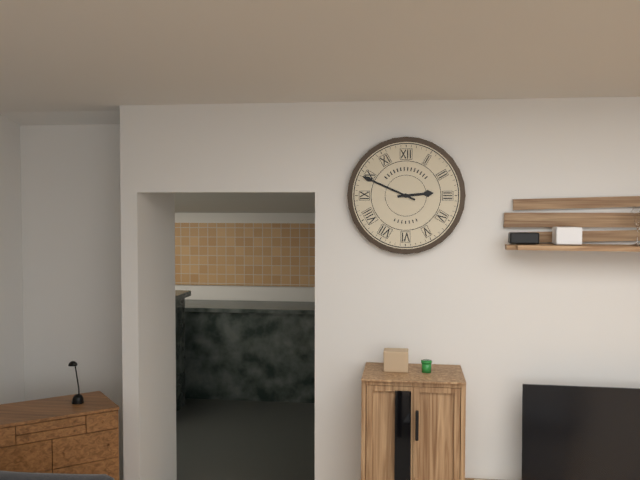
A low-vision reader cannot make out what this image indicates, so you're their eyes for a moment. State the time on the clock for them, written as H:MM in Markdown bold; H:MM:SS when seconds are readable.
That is **2:49**
